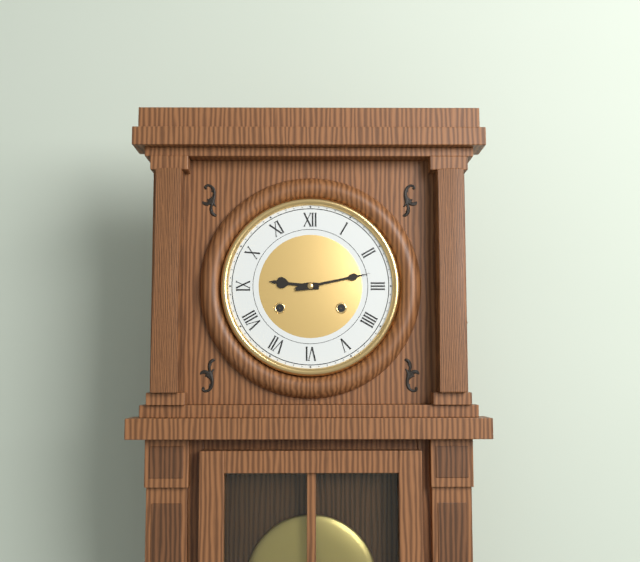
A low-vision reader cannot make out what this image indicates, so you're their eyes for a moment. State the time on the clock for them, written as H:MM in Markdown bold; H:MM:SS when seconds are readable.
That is **9:13**
